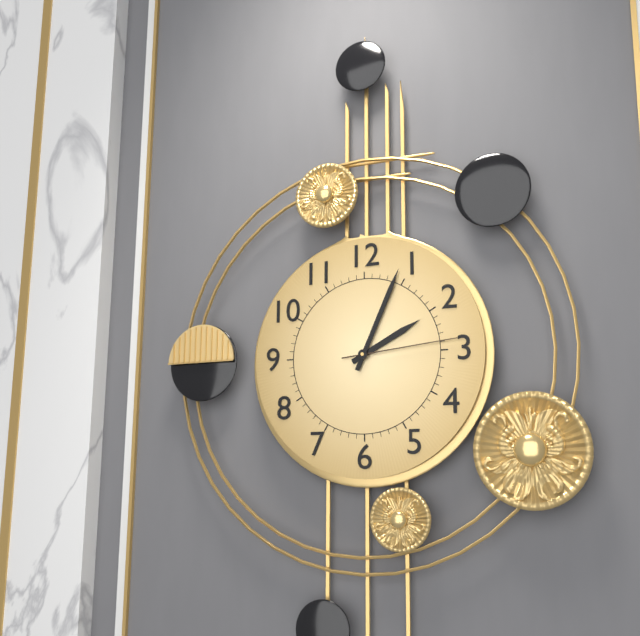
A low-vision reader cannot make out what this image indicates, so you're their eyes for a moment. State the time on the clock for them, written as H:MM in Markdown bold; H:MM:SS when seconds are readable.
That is **2:04:14**
